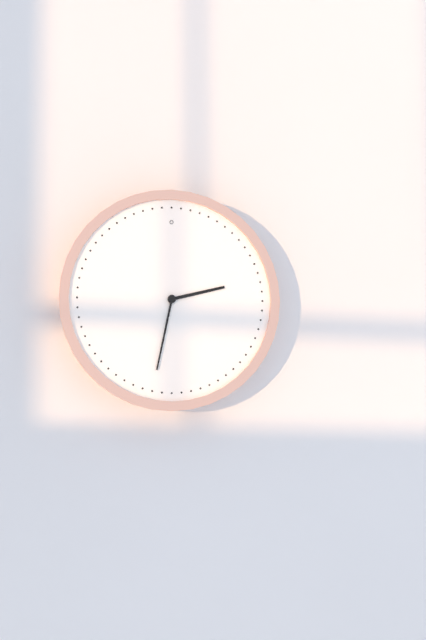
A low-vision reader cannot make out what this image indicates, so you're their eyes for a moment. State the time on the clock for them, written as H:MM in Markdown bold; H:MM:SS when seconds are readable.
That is **2:32**
